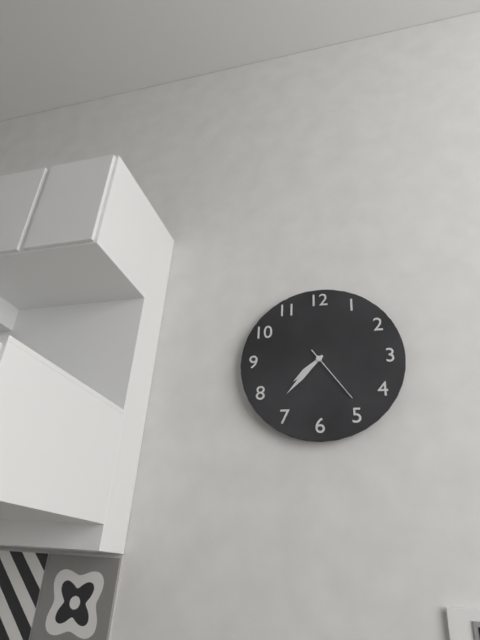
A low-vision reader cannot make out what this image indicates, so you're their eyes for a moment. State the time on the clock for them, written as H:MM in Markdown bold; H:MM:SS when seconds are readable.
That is **7:37:24**
